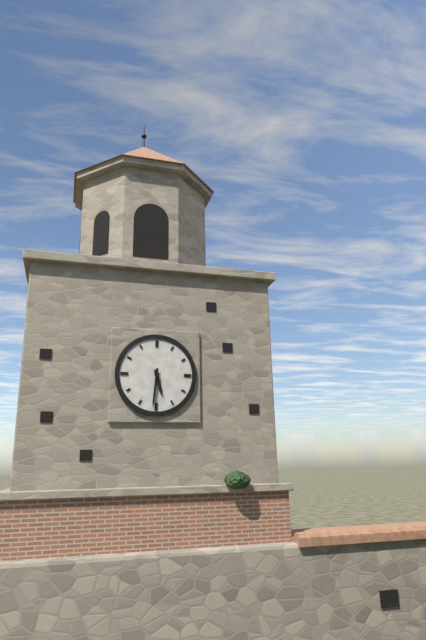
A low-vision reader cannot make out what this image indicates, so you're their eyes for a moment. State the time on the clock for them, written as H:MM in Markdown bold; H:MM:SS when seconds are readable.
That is **5:31**
